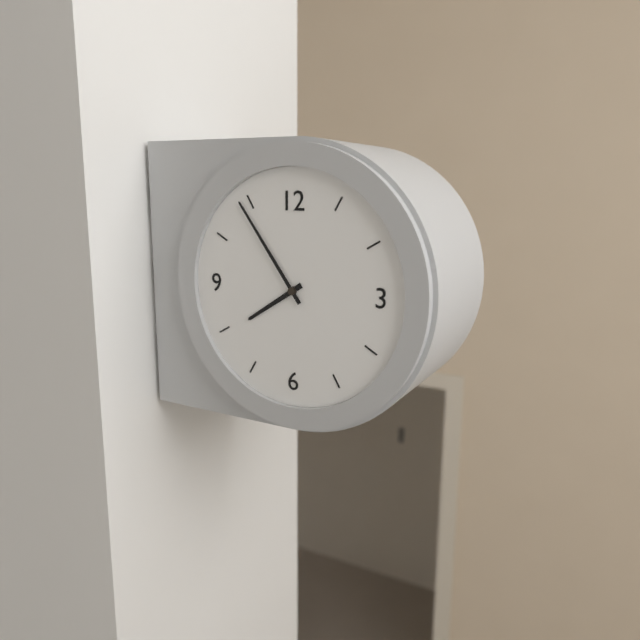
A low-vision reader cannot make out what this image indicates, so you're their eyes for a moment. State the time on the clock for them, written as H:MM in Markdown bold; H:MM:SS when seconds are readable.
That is **7:54**
